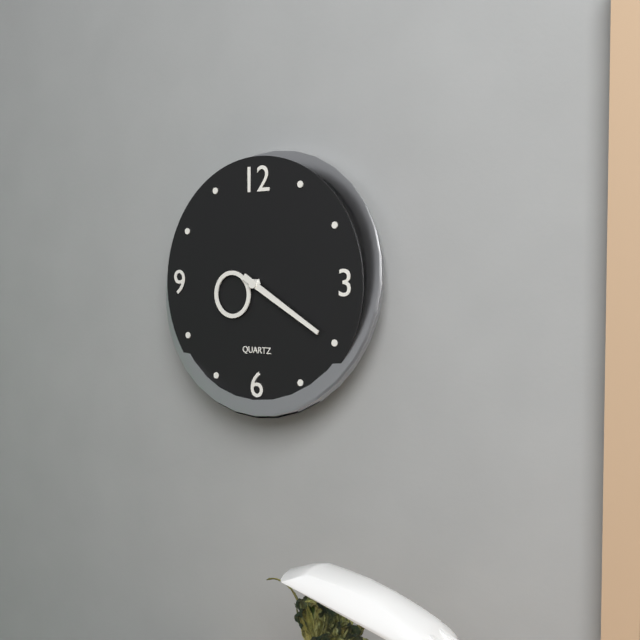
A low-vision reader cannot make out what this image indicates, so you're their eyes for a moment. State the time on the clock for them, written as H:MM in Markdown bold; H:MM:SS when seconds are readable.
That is **8:20**
